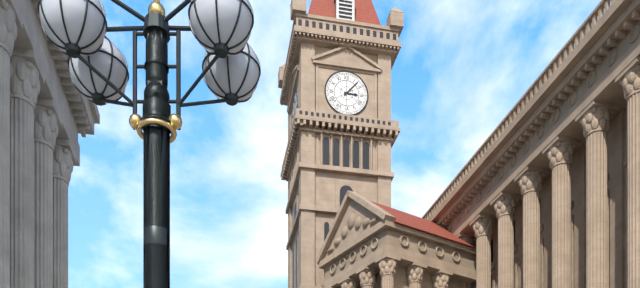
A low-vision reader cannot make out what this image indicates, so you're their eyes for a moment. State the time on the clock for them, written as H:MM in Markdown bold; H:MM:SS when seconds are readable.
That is **3:07**
